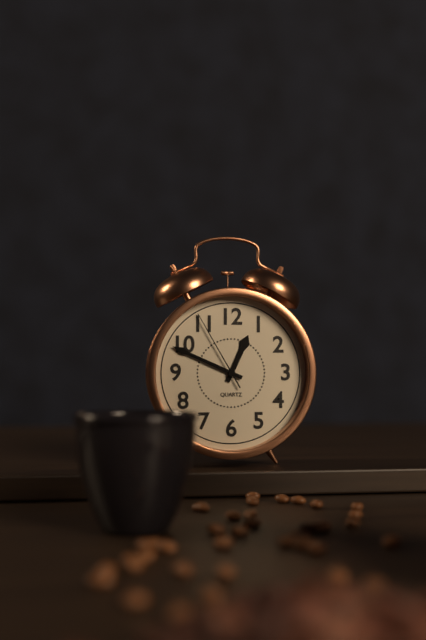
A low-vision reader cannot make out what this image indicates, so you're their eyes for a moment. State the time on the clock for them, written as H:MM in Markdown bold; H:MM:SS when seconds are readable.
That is **12:49:55**
